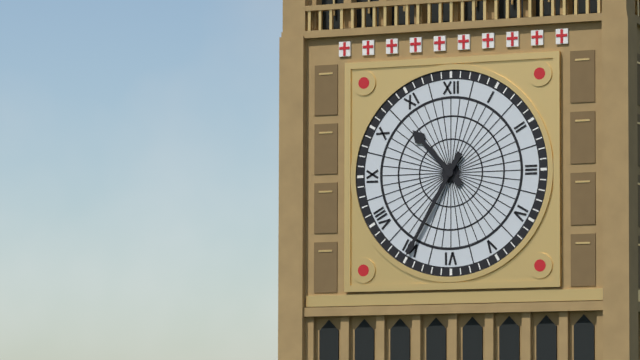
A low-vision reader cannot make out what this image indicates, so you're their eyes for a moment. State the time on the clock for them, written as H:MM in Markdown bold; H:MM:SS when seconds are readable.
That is **10:35**
